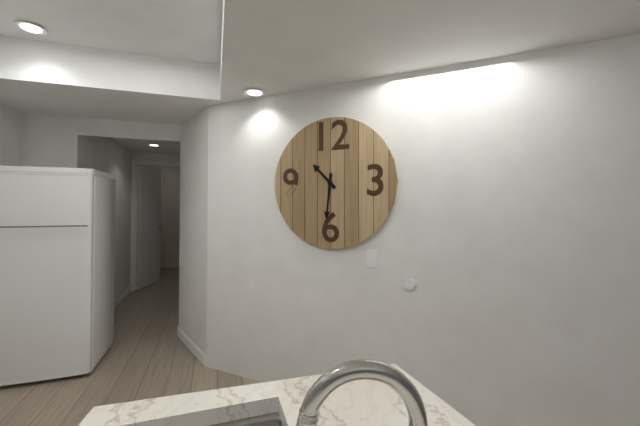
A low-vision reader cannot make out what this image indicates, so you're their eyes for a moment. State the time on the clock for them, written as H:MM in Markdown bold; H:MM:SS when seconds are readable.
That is **10:31**
